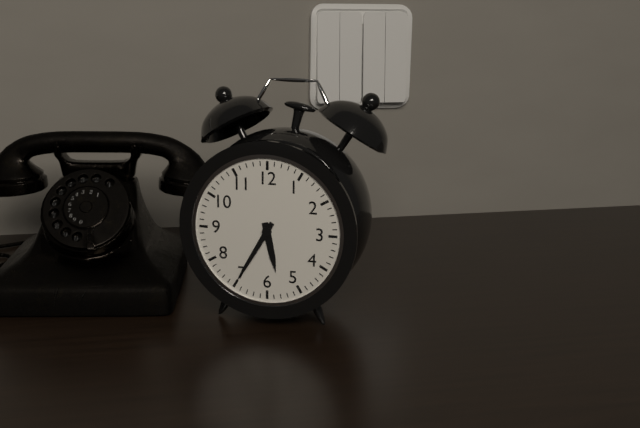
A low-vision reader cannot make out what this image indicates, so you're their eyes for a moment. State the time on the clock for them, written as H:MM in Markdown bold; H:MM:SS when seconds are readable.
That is **5:35**
